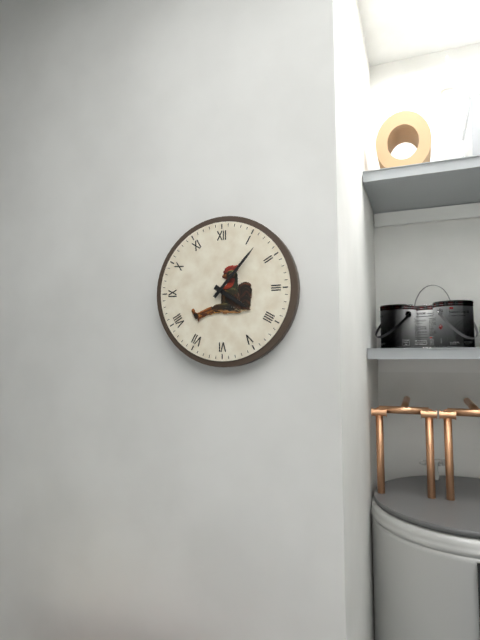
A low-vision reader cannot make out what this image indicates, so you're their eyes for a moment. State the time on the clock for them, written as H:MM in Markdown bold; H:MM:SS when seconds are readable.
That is **4:07**
